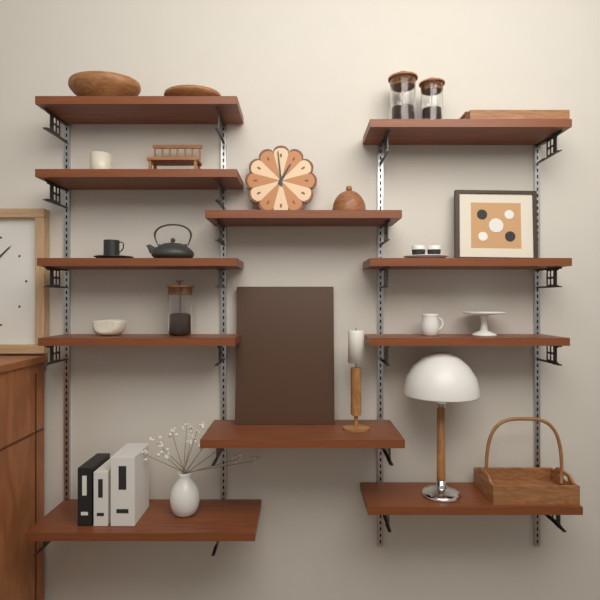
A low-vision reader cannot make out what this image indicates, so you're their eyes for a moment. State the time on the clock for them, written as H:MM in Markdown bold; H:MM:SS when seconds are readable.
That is **12:59**
